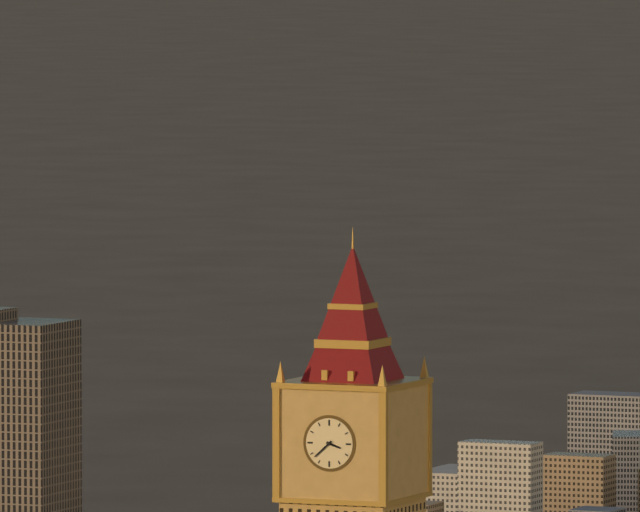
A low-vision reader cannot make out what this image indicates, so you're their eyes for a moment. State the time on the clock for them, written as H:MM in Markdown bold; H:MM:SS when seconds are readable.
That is **3:38**
